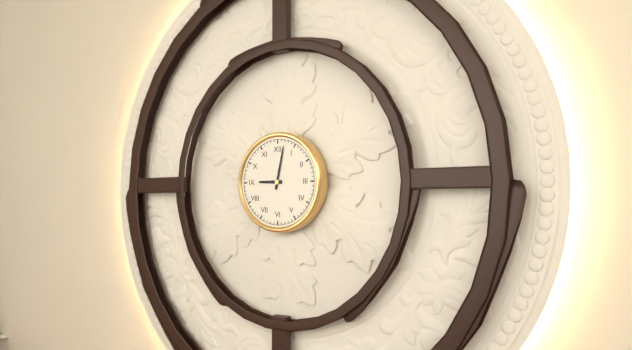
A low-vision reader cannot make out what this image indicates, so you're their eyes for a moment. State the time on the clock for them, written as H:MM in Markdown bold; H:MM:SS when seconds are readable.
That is **9:02**
